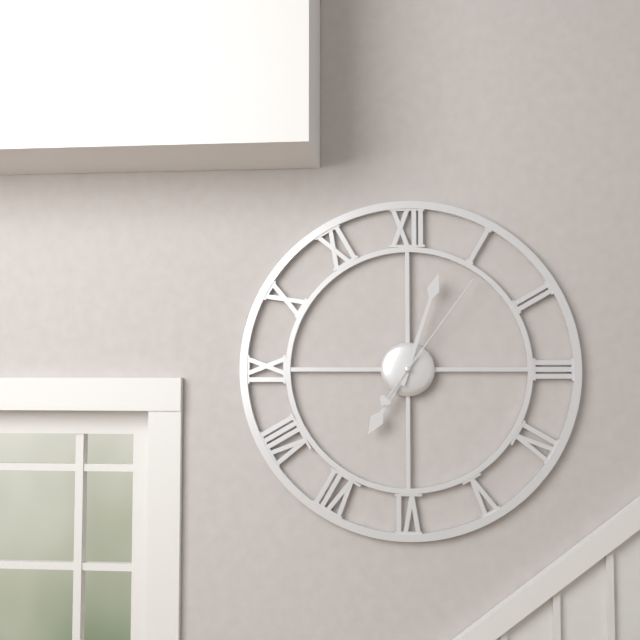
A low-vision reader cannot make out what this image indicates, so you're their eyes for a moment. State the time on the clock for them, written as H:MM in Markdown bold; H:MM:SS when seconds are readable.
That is **7:03:06**
